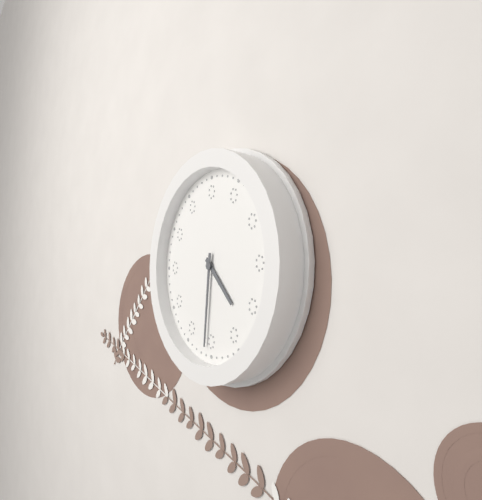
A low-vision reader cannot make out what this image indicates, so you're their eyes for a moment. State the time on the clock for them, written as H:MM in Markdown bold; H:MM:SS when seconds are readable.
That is **4:31**
